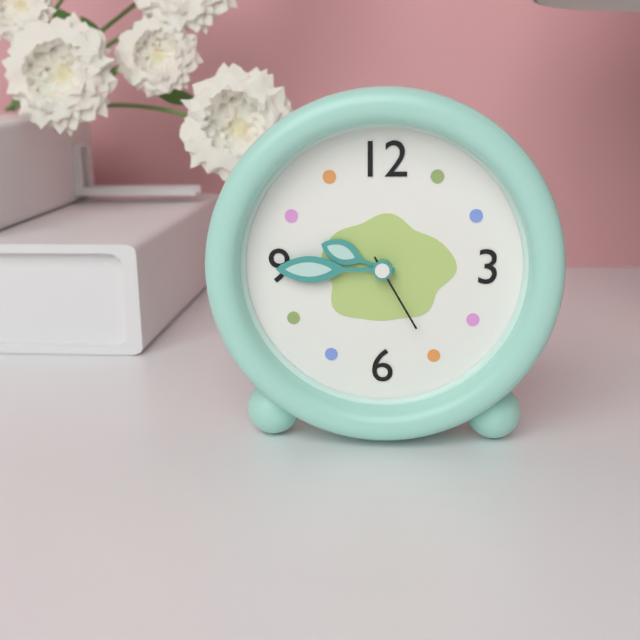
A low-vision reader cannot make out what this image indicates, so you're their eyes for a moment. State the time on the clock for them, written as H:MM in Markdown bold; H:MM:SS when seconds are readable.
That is **9:45:25**
